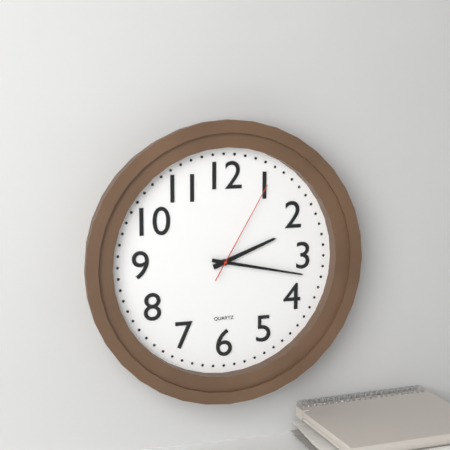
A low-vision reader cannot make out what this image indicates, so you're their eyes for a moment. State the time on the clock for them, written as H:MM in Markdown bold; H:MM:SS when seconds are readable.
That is **2:17:05**
